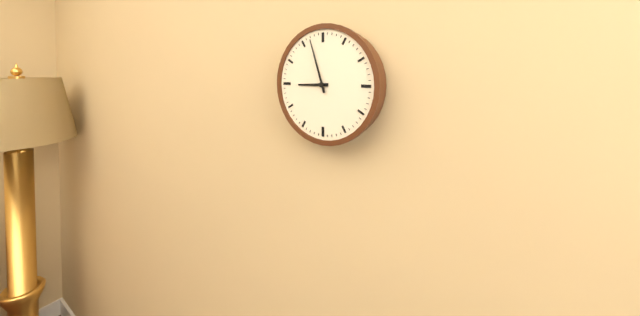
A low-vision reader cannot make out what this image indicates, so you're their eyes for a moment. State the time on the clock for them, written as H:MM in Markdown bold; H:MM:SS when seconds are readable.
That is **8:57**
